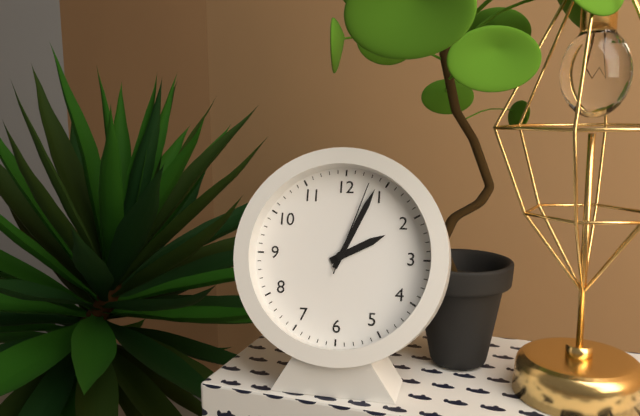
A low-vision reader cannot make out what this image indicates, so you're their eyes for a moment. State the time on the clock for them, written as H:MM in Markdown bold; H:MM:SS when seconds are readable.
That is **2:04:03**
